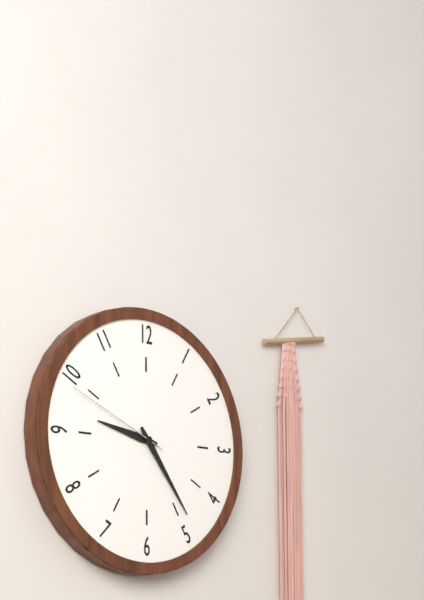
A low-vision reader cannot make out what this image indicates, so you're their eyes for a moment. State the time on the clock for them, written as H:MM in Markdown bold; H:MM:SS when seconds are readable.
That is **9:24:49**
